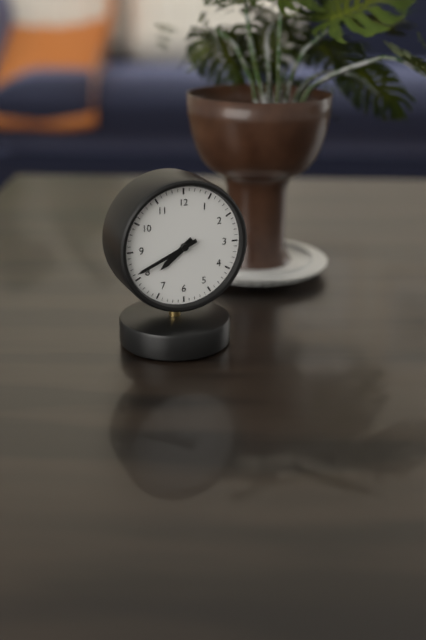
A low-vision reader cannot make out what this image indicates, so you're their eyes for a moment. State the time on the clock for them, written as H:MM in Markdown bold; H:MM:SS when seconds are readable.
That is **7:41**
